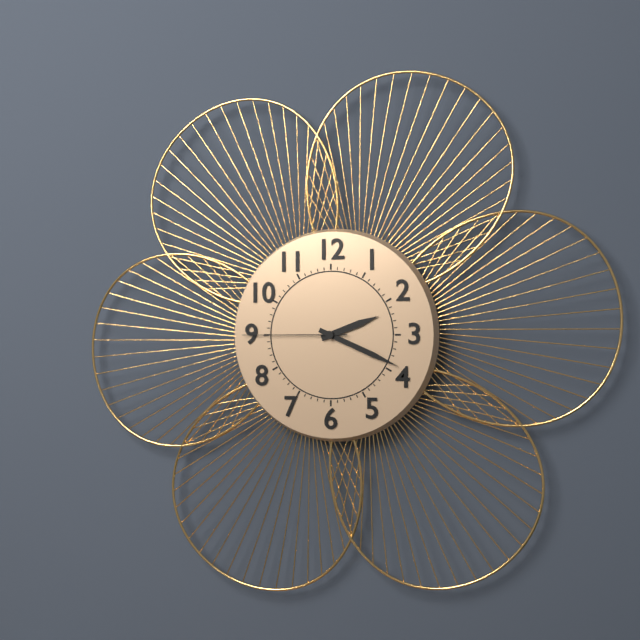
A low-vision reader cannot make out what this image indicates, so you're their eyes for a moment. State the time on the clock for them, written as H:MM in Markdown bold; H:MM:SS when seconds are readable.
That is **2:19:45**
